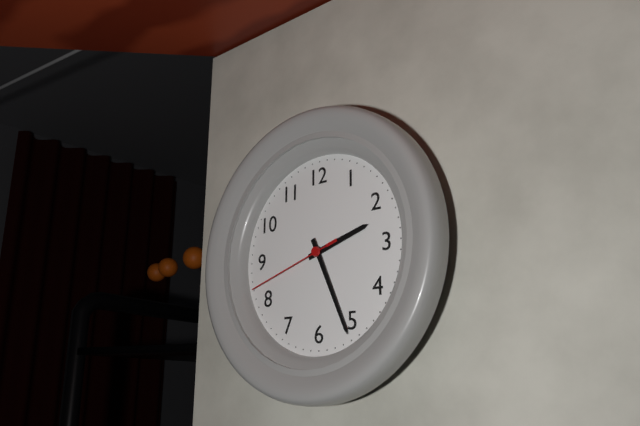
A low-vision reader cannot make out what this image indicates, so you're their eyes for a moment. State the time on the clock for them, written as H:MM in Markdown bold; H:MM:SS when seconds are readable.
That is **2:26:42**
